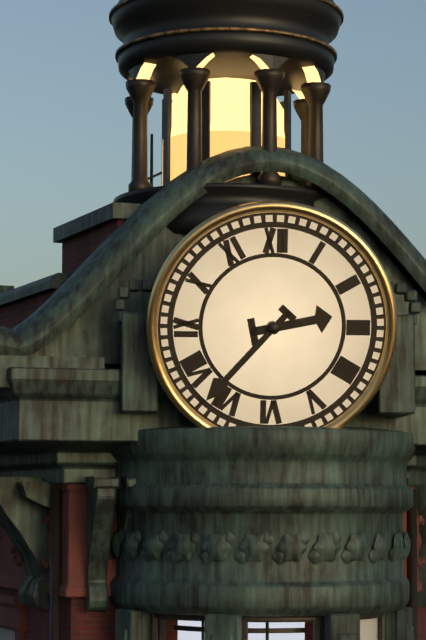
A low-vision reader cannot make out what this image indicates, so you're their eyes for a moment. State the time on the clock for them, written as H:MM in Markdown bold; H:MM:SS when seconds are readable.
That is **2:37**
